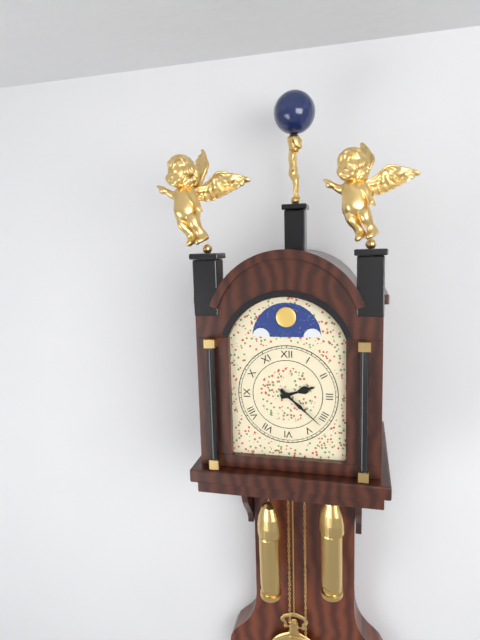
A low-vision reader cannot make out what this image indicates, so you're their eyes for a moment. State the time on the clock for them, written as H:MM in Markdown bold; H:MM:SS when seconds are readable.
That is **2:22**
